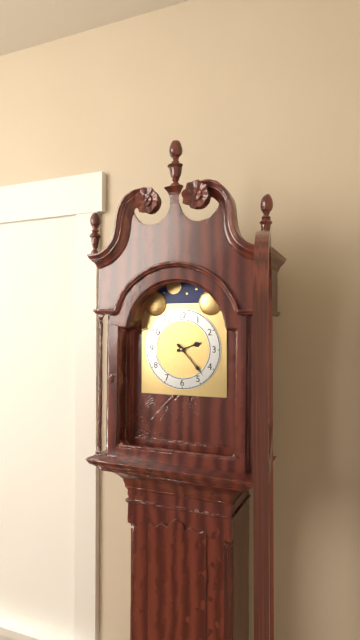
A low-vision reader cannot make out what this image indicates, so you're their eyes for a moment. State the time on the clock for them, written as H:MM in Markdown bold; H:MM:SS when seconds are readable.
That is **2:23**
